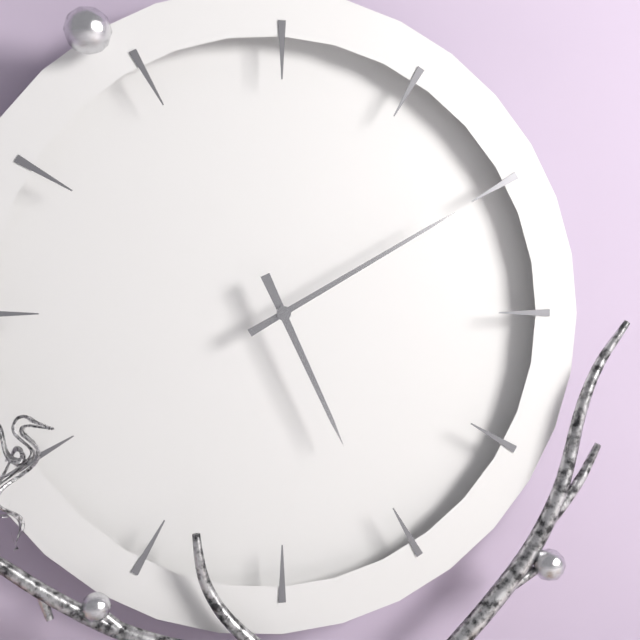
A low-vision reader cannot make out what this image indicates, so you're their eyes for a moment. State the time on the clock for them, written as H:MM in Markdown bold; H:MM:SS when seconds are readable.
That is **5:10**
